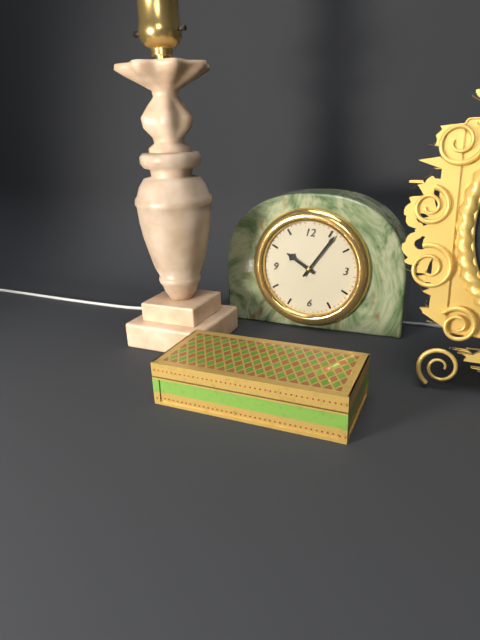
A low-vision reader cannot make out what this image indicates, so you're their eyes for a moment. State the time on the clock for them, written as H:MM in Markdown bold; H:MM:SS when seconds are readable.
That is **10:06**
